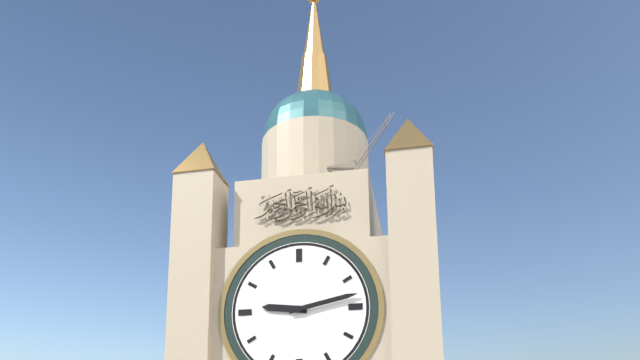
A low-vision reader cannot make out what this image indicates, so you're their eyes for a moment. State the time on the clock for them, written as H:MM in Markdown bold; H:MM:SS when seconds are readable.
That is **9:13**
